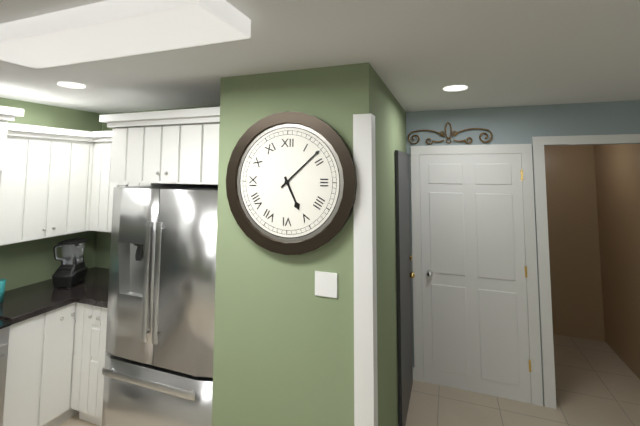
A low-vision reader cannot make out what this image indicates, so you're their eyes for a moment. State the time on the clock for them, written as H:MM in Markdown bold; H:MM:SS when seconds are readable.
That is **5:08**
